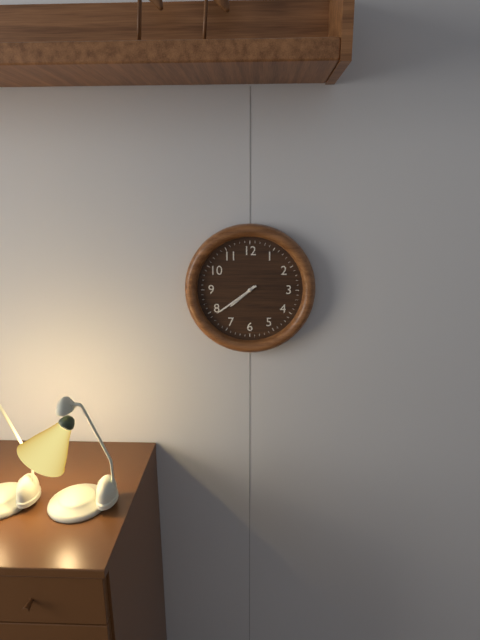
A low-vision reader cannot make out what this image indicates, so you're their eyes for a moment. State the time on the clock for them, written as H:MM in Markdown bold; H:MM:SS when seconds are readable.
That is **7:39**
